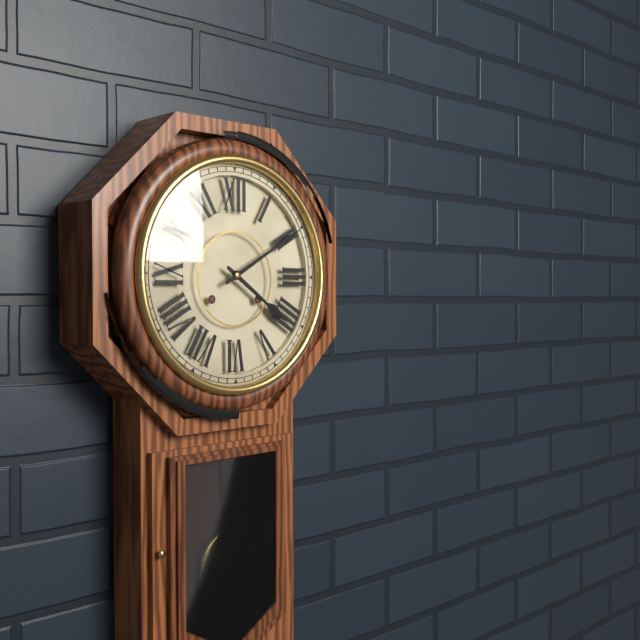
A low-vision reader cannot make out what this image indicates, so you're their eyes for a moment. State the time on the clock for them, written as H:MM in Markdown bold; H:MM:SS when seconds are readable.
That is **4:10**
